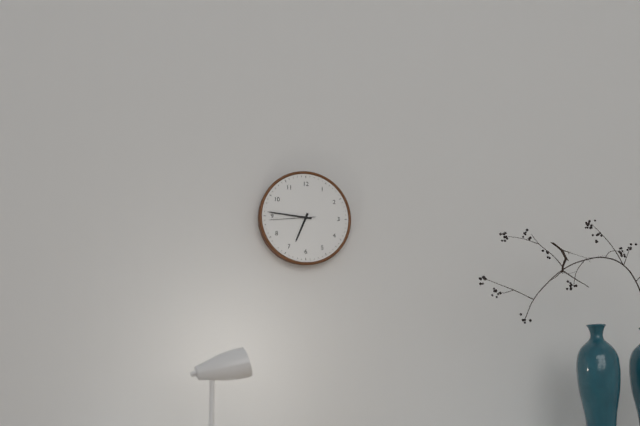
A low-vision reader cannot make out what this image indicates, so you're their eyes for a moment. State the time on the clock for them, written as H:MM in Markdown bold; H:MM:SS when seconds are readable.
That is **6:46**
